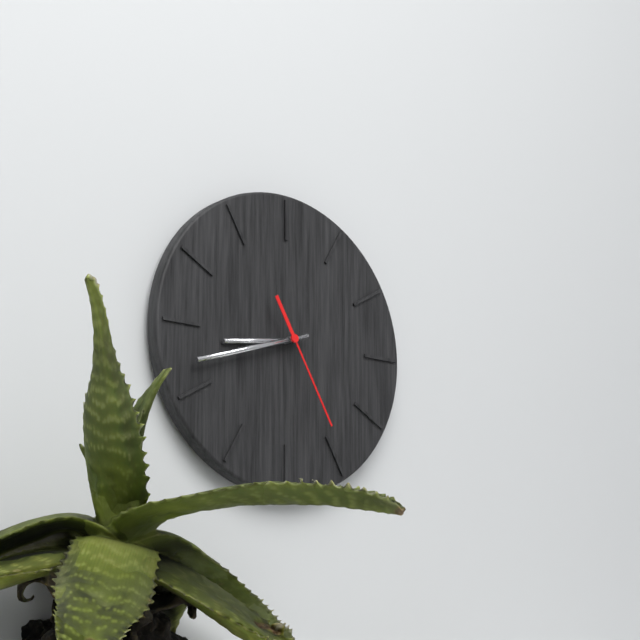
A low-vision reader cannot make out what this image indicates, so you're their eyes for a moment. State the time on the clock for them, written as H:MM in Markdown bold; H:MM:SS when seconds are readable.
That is **8:42:25**
